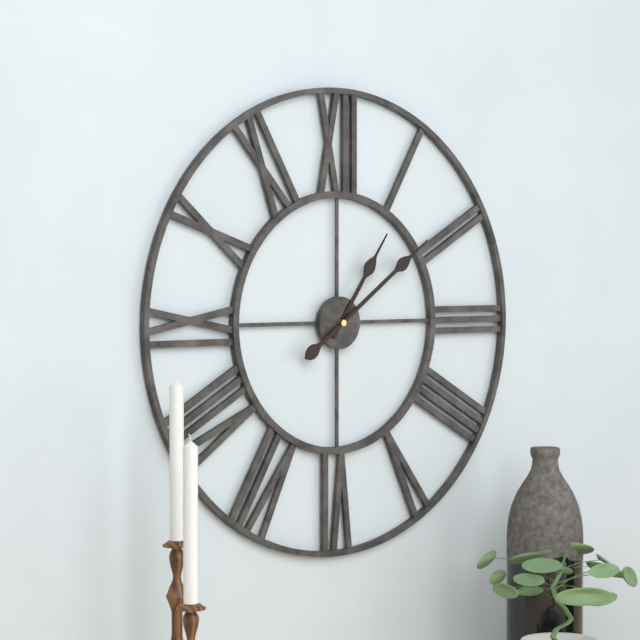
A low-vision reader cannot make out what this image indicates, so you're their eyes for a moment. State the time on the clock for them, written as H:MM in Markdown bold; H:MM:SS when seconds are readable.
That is **1:09**
